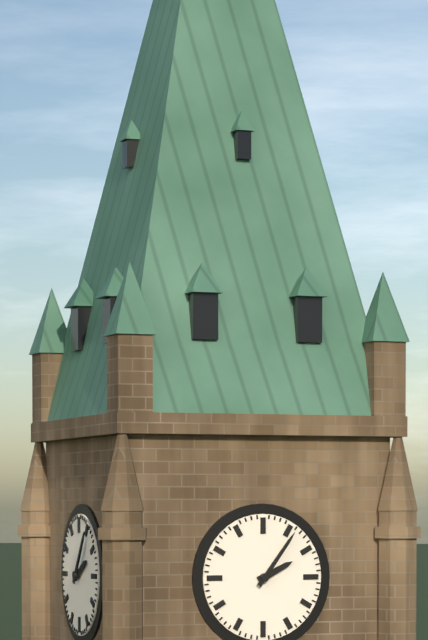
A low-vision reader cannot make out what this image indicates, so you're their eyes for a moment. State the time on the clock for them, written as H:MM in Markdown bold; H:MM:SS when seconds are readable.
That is **2:06**
